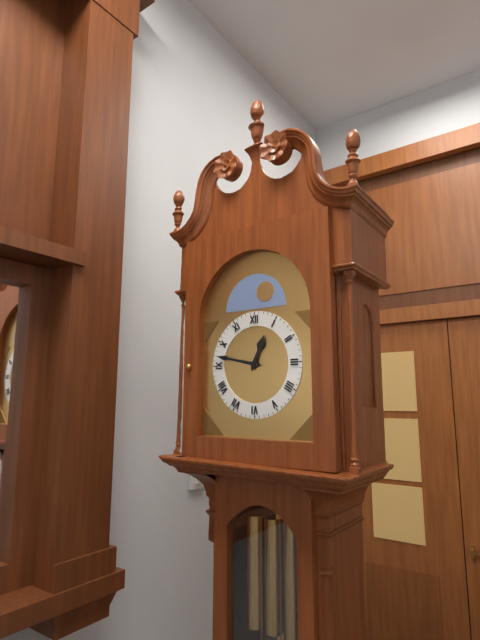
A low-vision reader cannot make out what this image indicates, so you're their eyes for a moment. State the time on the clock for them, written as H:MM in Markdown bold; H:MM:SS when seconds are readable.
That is **12:47**
